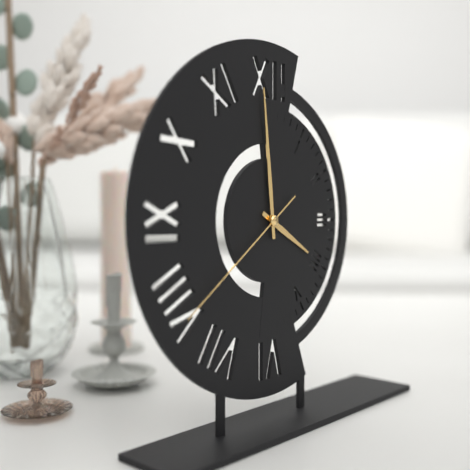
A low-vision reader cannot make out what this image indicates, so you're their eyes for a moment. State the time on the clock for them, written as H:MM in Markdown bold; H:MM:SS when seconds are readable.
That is **3:59:39**
